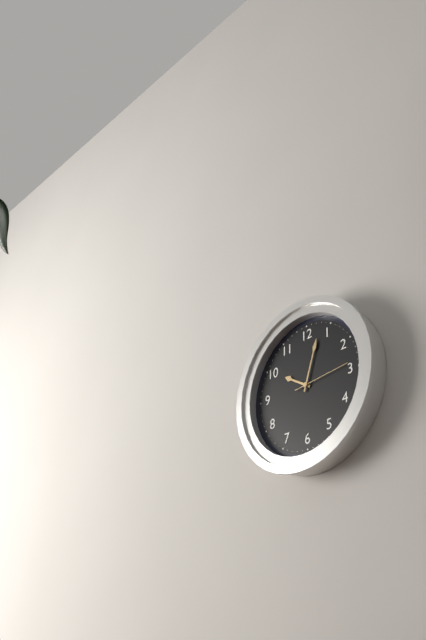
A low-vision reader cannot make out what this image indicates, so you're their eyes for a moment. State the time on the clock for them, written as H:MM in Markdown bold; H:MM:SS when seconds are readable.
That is **10:03:14**
